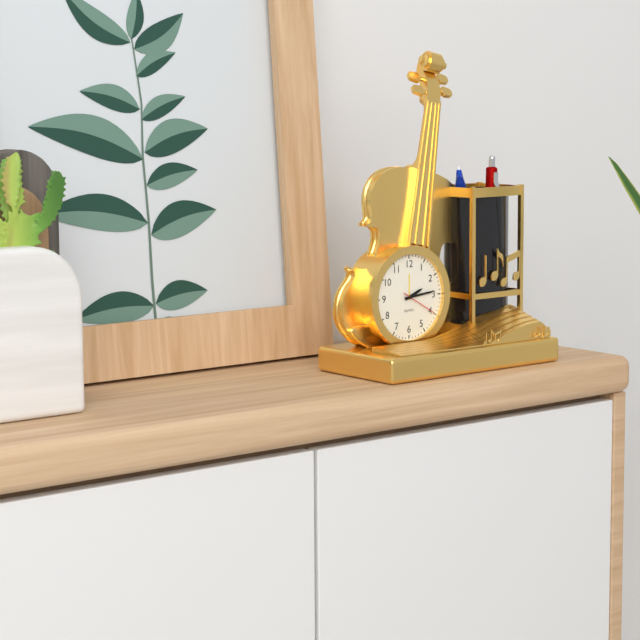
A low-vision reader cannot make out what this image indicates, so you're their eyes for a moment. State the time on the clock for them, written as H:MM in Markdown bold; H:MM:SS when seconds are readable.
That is **2:14**
